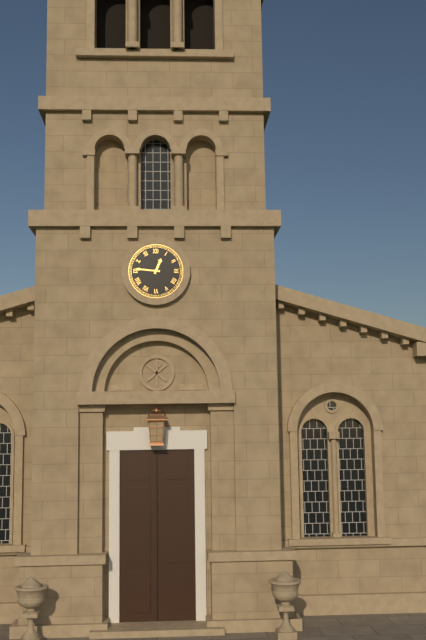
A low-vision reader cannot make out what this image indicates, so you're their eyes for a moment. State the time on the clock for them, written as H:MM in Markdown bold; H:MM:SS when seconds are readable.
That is **12:46**
